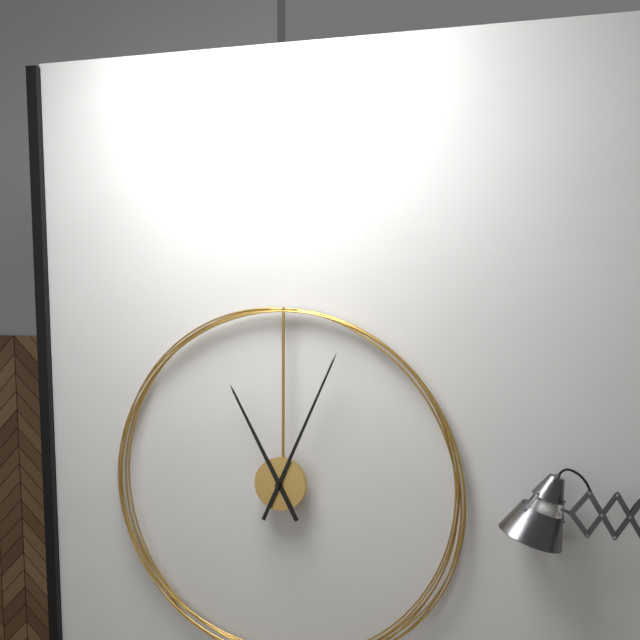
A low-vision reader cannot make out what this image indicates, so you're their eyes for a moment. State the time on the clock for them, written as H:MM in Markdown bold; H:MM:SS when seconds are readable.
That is **11:04**
